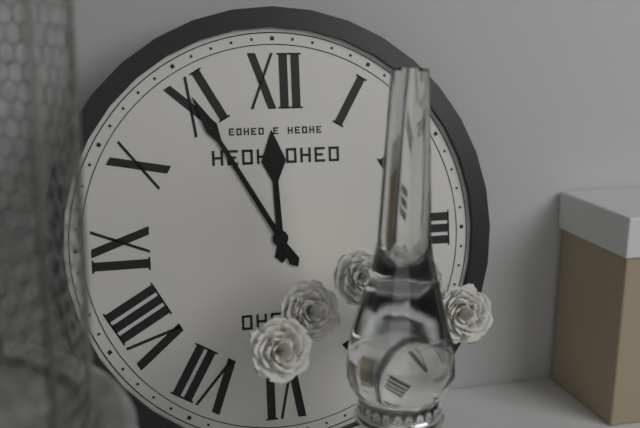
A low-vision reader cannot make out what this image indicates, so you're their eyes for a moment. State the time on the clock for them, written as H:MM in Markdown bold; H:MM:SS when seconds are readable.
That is **11:55**
